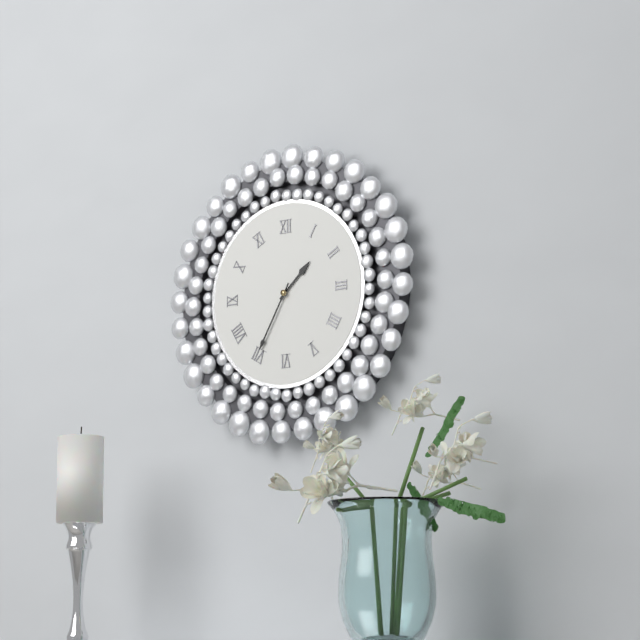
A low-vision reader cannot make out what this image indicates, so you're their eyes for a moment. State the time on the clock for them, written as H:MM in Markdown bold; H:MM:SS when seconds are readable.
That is **1:35**
